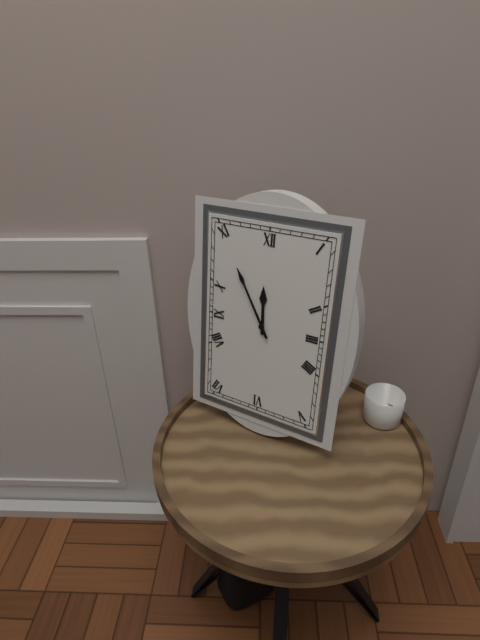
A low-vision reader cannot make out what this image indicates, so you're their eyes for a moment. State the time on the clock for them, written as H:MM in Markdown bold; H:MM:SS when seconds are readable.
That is **11:55**
